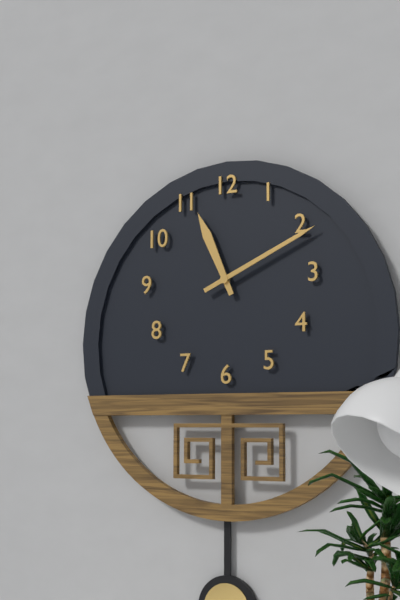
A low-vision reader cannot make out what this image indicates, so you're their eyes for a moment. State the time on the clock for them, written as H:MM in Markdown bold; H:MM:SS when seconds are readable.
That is **11:11**
